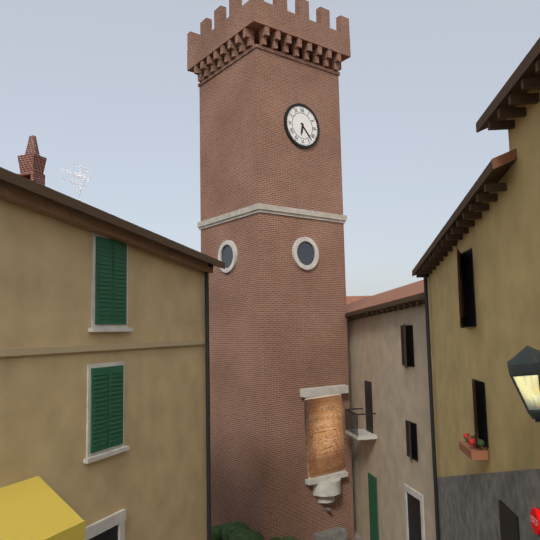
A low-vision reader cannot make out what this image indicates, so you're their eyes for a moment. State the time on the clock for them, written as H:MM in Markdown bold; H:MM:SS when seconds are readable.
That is **6:23**
